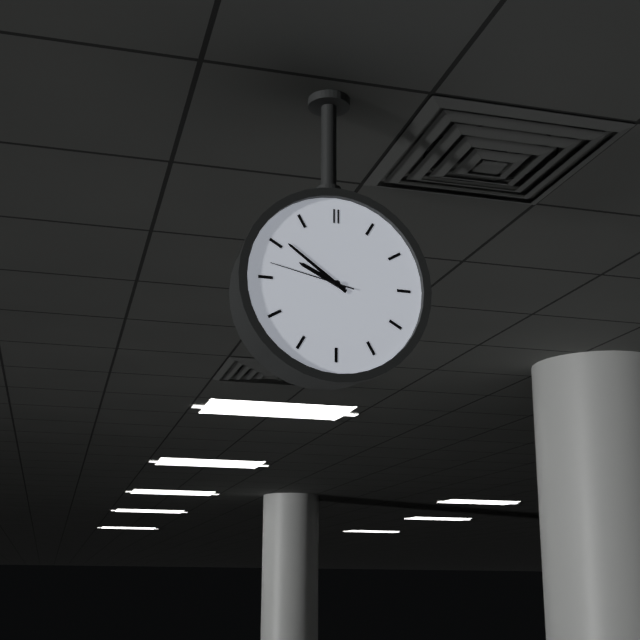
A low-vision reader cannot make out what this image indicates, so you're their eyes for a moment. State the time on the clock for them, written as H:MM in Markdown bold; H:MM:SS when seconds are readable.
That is **9:51:47**
